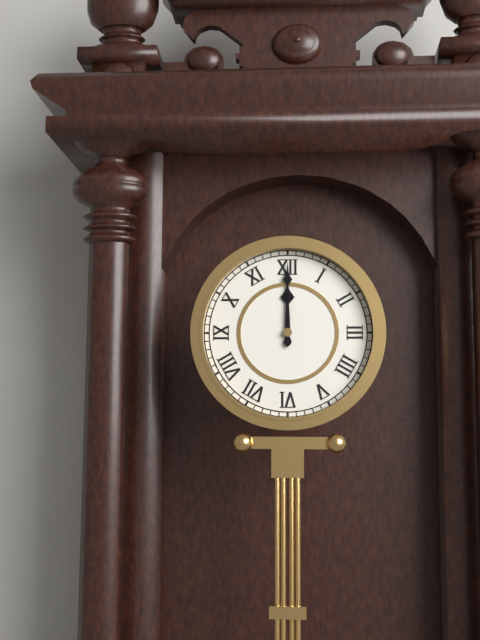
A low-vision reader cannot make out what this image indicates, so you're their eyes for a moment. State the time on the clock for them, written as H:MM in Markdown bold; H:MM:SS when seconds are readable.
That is **12:00**
